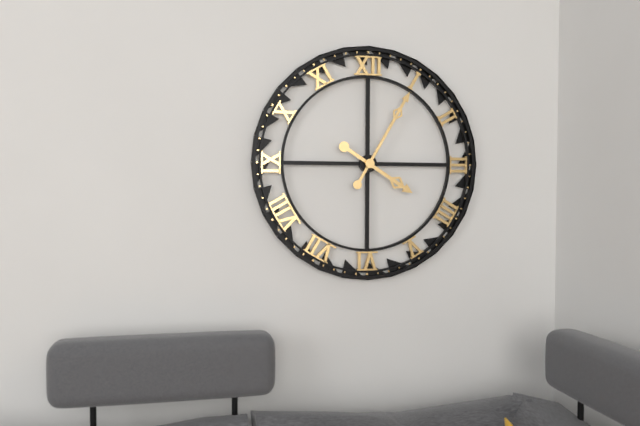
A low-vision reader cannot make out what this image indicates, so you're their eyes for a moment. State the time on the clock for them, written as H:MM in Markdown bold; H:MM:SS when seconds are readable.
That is **4:05**
